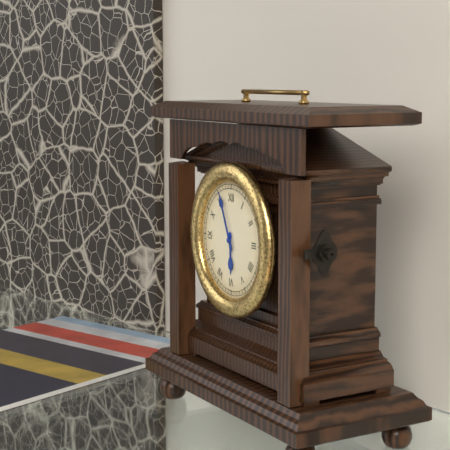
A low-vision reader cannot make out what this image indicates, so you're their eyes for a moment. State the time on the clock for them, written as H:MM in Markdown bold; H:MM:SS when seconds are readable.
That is **5:56**
